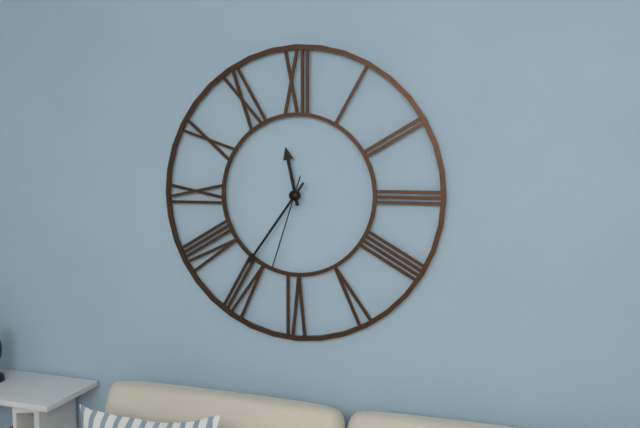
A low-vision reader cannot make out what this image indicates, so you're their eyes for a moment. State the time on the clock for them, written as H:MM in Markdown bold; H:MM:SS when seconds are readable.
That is **11:36:33**
